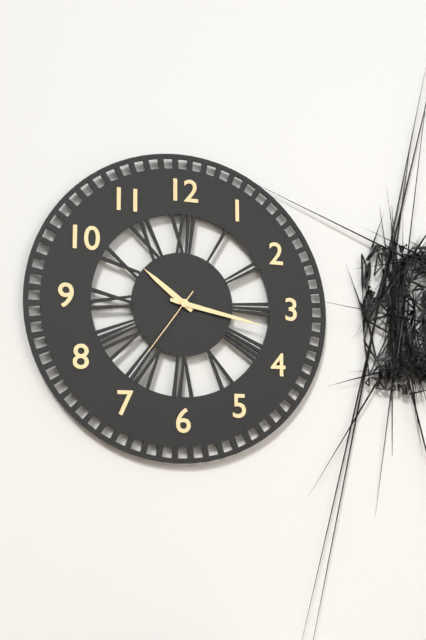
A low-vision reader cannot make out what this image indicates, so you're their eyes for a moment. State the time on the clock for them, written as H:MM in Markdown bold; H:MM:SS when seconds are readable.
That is **10:17:36**
